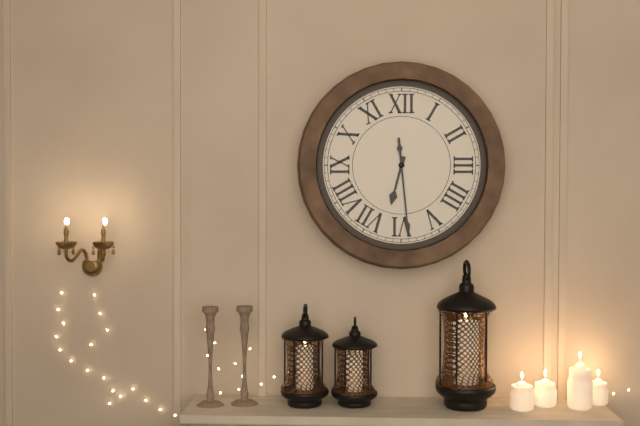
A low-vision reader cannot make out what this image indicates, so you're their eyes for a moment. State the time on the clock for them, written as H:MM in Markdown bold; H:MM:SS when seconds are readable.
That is **6:29**
